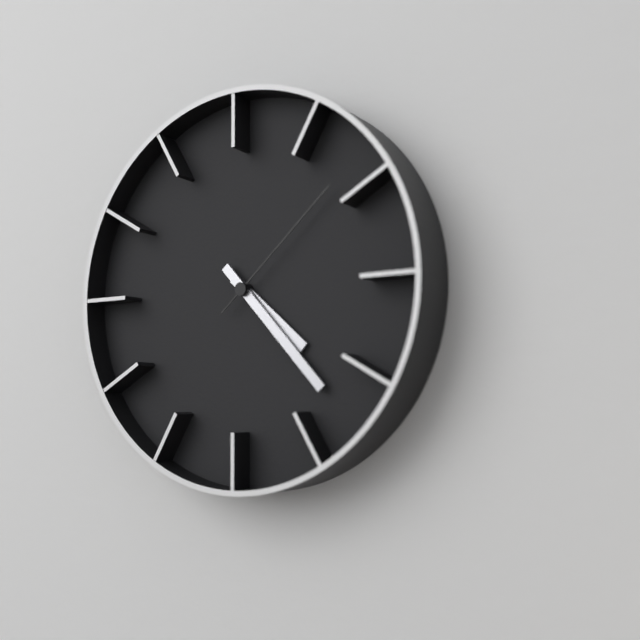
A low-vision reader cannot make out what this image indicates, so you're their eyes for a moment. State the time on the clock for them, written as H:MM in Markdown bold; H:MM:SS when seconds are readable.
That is **4:23:08**
